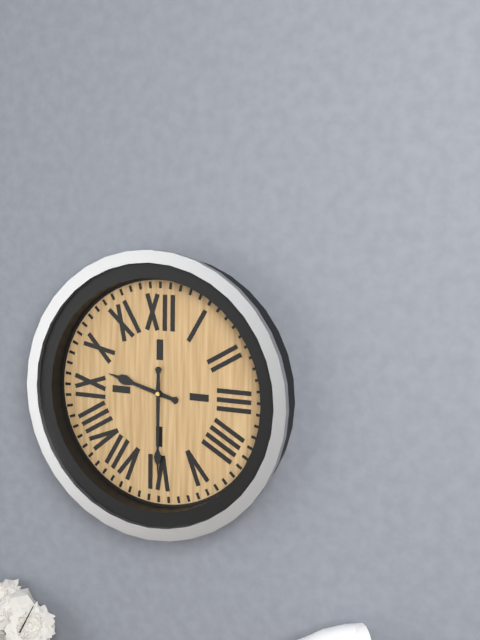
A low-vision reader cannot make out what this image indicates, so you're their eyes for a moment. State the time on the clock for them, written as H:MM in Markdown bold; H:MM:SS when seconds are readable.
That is **9:30**
